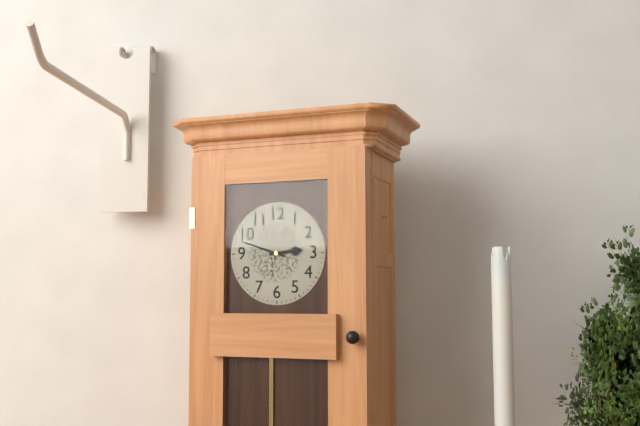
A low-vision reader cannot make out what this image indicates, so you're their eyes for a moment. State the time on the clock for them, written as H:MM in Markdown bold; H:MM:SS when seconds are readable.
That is **2:48**
